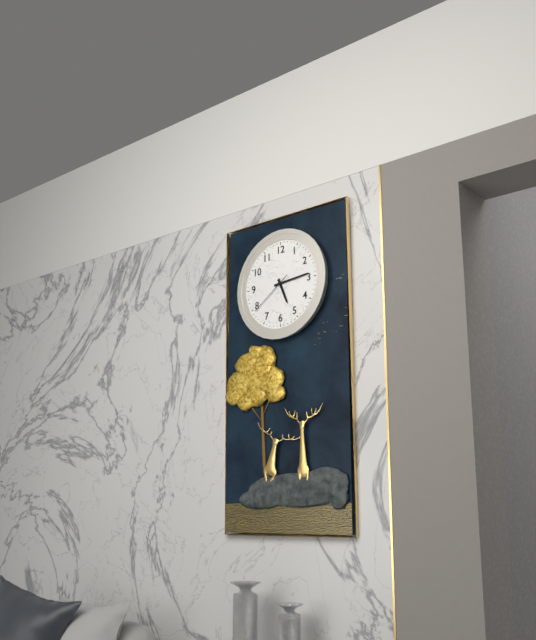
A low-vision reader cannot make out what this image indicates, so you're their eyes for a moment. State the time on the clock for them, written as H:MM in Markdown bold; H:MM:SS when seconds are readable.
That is **5:14**
